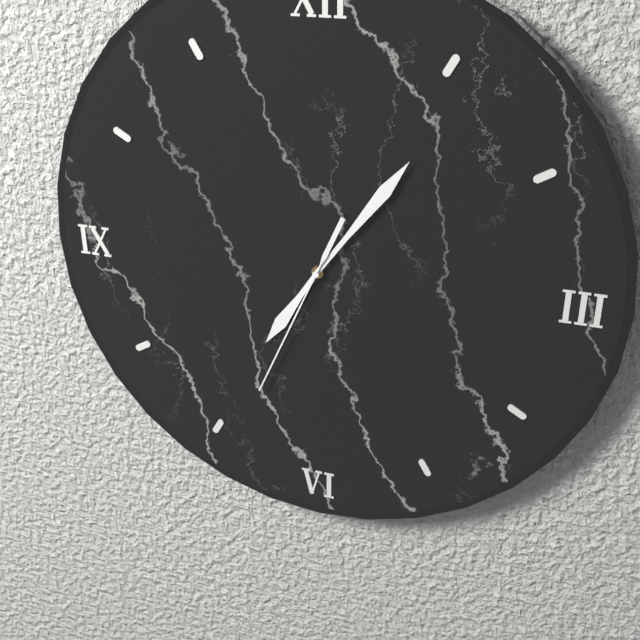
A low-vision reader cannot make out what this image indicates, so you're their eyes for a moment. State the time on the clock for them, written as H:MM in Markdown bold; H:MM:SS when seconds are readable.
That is **7:06:34**
